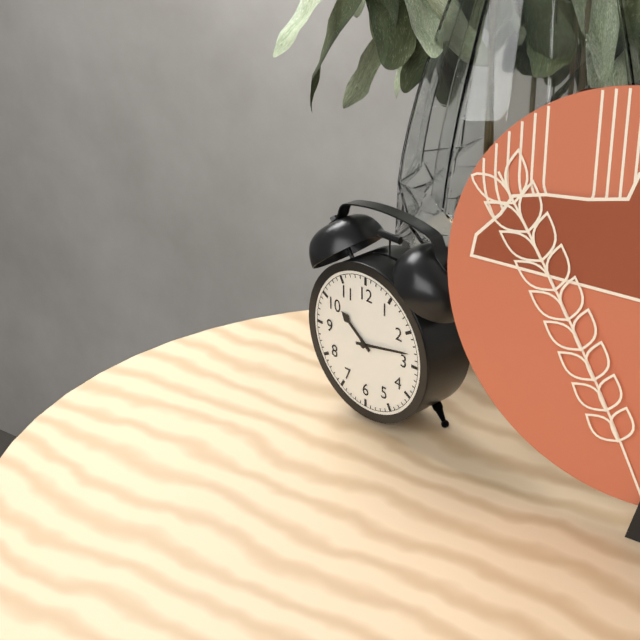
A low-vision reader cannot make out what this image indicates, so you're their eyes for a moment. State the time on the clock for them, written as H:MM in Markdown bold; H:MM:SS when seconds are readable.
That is **10:13**
